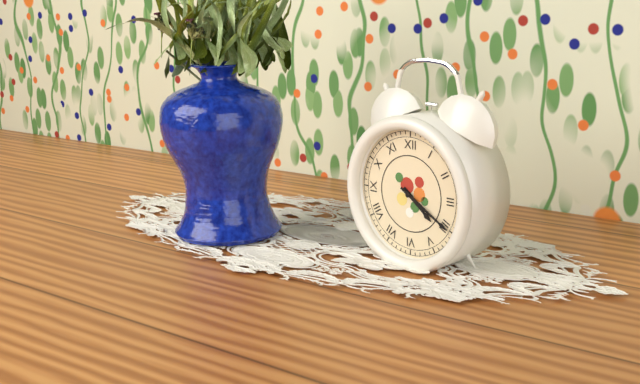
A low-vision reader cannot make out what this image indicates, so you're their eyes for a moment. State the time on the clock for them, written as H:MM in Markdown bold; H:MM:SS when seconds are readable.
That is **4:20**
